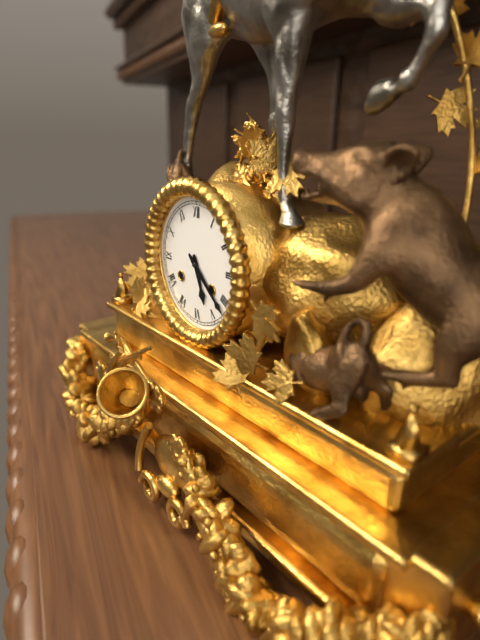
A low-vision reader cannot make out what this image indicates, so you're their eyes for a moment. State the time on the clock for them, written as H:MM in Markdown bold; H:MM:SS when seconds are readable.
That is **5:22**
